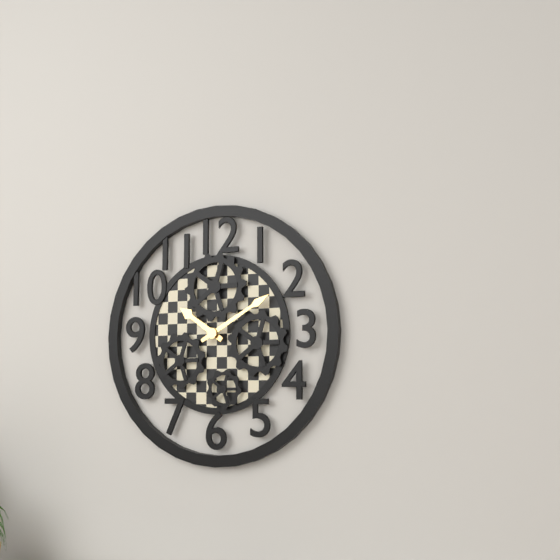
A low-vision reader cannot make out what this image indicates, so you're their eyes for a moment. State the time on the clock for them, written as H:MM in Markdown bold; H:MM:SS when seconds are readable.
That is **10:10**
